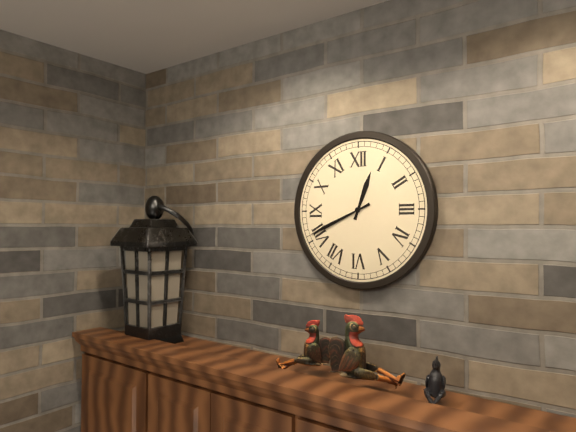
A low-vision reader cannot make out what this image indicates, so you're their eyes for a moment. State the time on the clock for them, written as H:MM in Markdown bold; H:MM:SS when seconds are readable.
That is **12:41**
